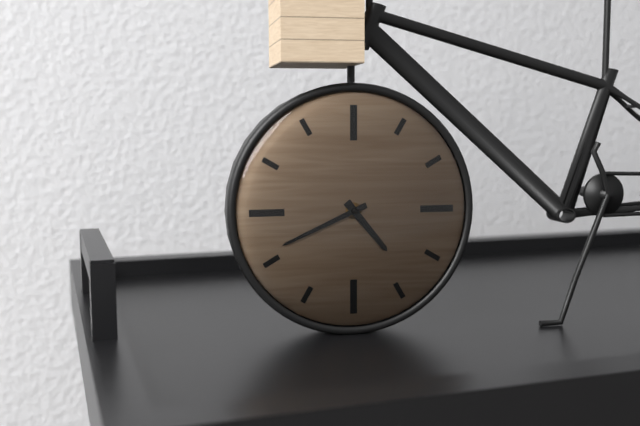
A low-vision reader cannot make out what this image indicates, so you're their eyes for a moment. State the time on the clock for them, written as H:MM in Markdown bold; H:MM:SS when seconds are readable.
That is **4:41**
